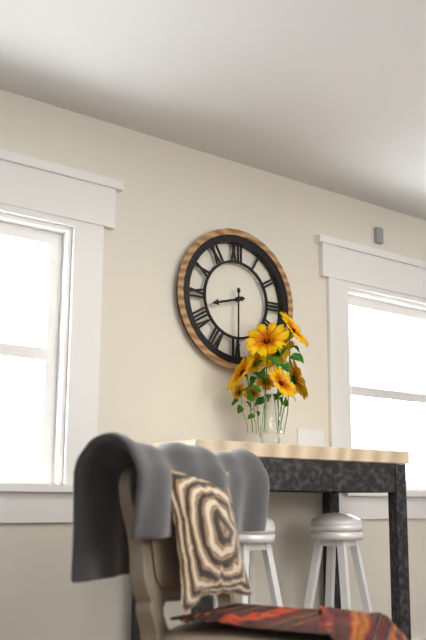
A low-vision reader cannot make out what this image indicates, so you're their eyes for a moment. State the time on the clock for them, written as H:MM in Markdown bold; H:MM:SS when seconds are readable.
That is **8:30**
